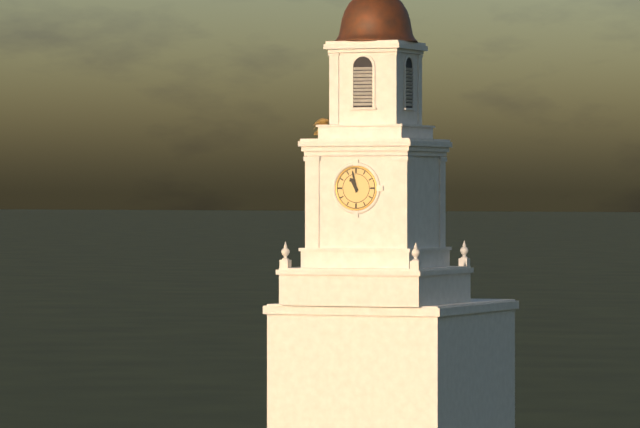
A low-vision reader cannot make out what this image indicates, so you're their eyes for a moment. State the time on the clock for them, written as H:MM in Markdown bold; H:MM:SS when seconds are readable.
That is **10:58**
